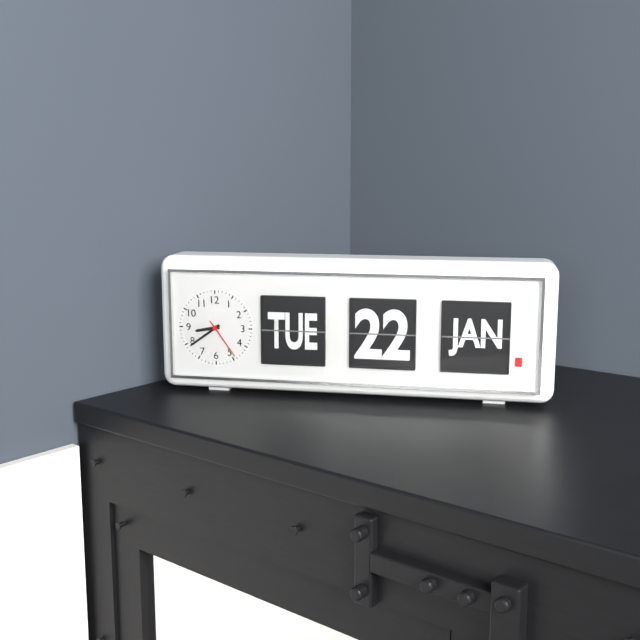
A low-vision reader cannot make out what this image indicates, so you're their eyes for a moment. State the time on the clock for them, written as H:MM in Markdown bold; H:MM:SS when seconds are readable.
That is **8:39**
